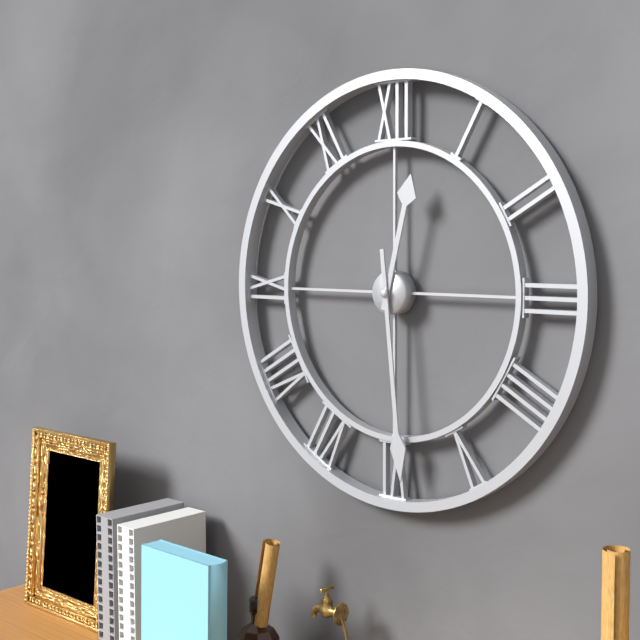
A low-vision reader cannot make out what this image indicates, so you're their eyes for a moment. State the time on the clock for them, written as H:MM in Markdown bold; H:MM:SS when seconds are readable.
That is **12:29**
